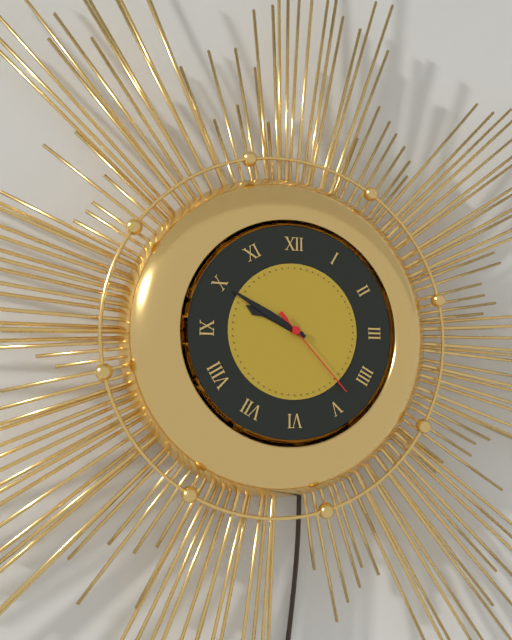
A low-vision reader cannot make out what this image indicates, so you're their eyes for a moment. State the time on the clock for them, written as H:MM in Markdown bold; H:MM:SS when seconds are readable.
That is **9:50:23**
